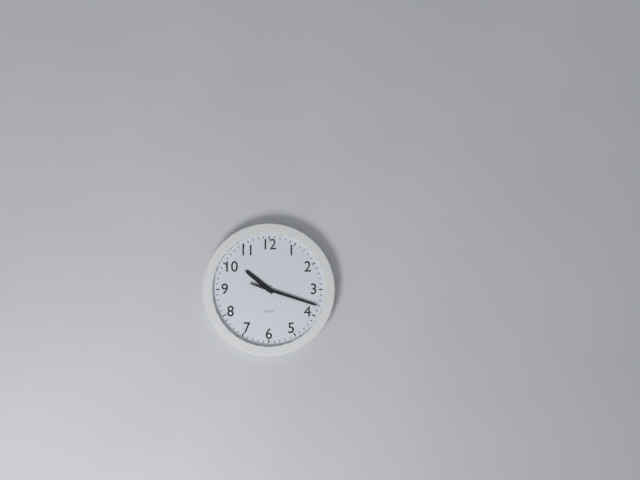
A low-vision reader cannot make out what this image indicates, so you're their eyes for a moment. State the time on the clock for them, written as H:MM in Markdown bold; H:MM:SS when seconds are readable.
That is **10:18**
